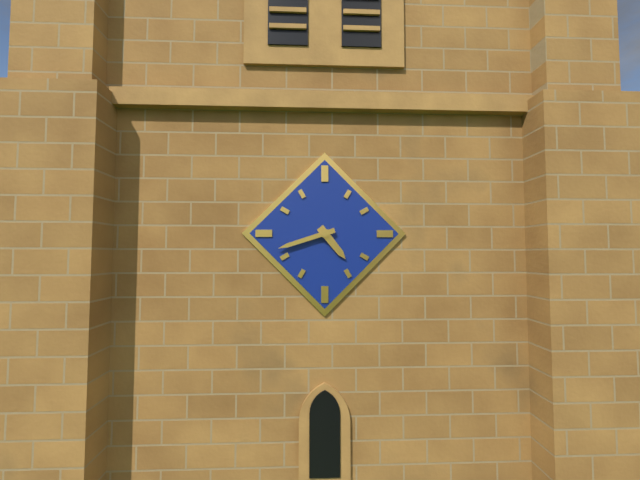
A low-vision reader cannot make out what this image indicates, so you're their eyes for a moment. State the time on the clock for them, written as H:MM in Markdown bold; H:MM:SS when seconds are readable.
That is **4:42**
